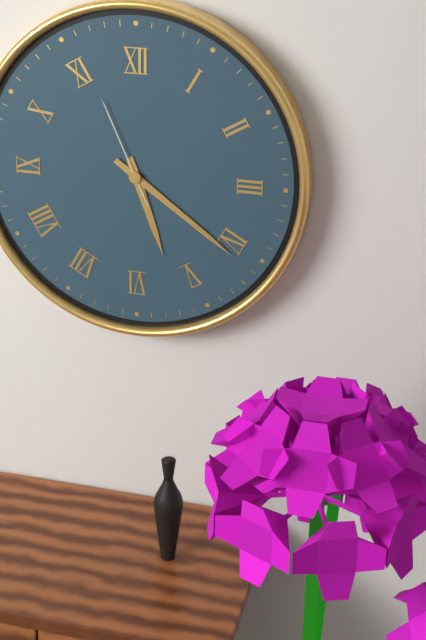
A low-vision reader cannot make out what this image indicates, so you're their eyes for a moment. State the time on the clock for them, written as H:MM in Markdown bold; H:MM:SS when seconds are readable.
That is **5:21:56**
